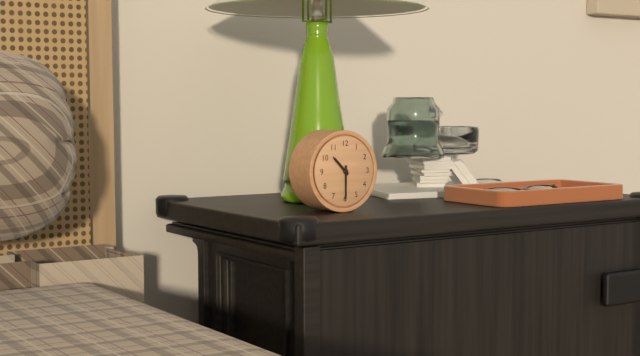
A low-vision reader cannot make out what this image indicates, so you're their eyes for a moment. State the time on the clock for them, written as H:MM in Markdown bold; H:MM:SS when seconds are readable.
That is **10:30**
